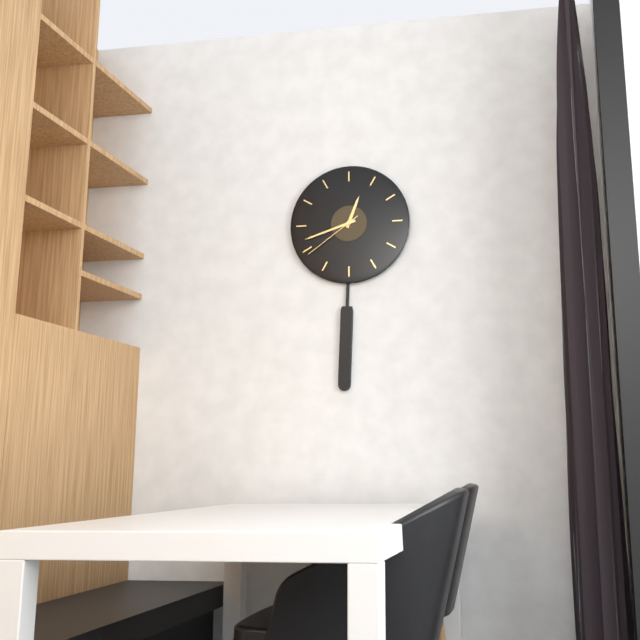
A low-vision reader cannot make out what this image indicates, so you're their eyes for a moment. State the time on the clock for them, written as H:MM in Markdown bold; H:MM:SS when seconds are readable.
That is **12:42:39**
